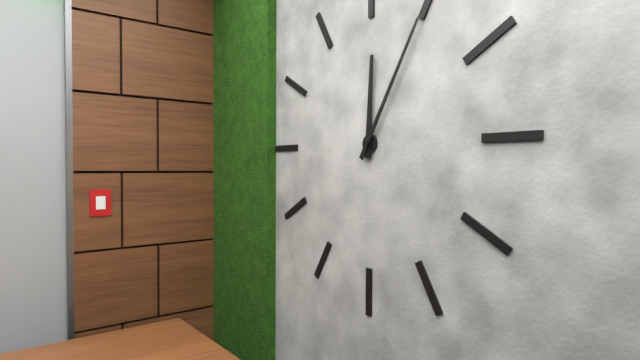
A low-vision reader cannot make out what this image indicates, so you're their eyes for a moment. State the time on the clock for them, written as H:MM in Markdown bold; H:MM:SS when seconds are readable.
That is **12:05**
